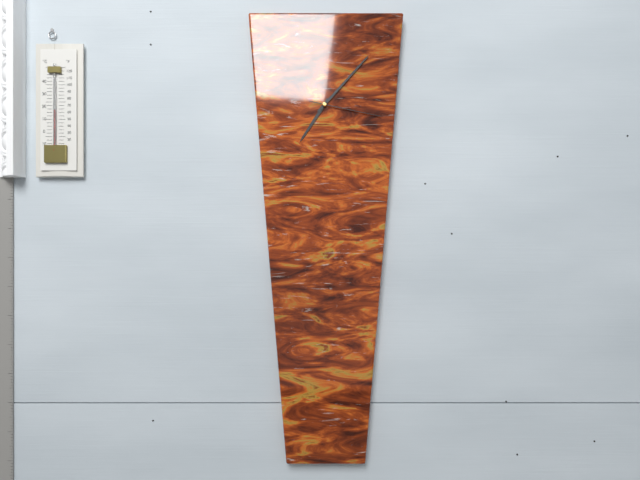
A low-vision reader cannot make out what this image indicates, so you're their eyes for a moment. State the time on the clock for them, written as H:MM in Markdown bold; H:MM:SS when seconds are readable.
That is **7:07:17**
